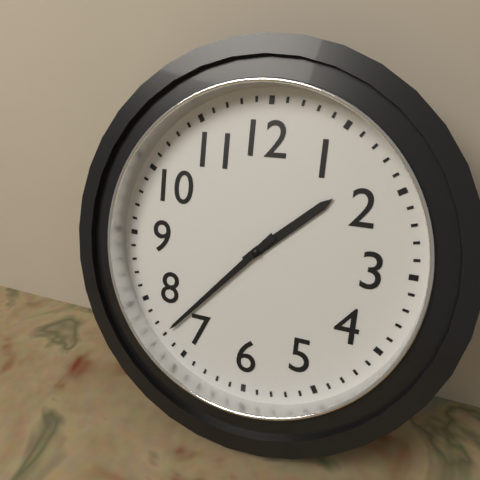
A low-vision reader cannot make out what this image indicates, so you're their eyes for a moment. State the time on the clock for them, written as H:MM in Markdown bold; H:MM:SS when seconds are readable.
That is **1:37**
